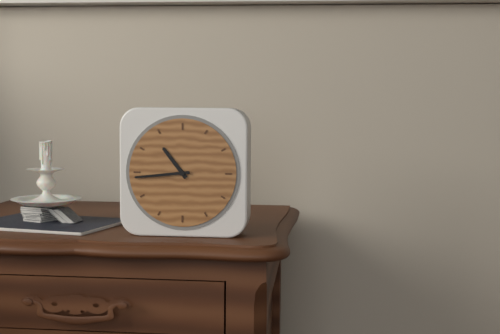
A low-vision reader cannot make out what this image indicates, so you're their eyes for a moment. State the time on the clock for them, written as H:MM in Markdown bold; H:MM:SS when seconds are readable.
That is **10:44**
